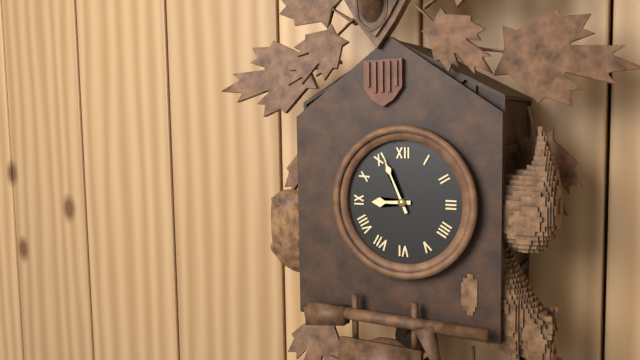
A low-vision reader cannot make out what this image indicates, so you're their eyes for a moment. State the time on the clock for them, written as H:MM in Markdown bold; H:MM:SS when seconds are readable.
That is **8:56**
